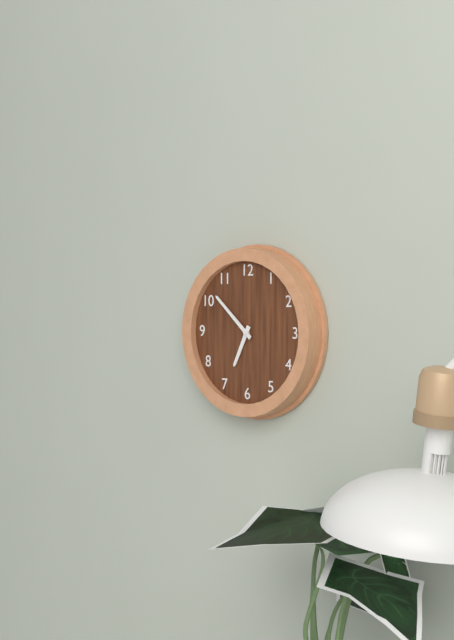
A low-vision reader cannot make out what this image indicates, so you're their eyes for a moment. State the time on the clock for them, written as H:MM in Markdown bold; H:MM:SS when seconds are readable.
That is **6:52**
